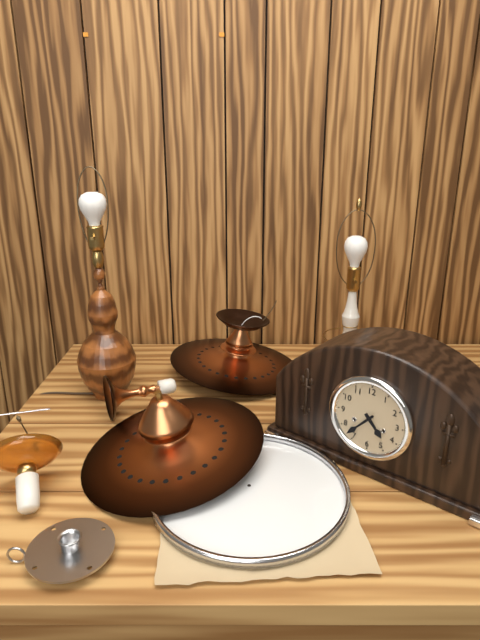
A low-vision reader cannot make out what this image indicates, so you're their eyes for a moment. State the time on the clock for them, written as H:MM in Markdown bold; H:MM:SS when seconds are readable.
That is **4:37**
